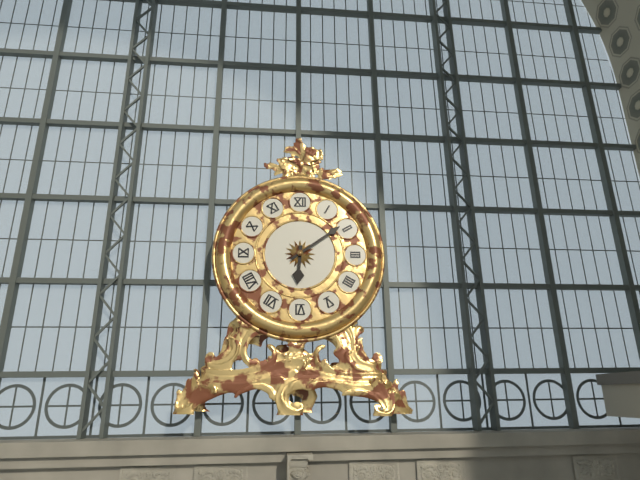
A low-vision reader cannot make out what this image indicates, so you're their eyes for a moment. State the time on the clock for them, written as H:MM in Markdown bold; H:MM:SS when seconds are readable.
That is **6:09**
